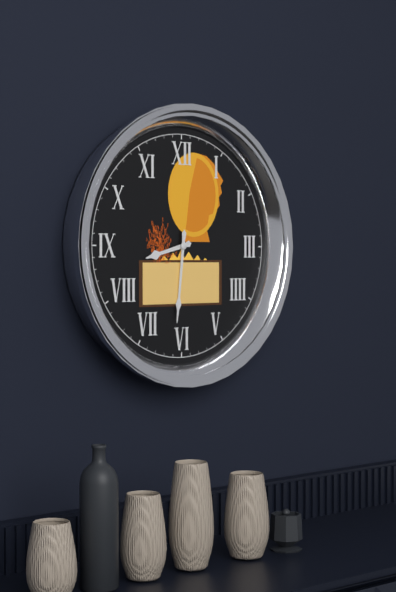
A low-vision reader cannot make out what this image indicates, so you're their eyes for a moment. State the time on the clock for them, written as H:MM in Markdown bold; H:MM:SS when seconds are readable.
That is **8:31**
